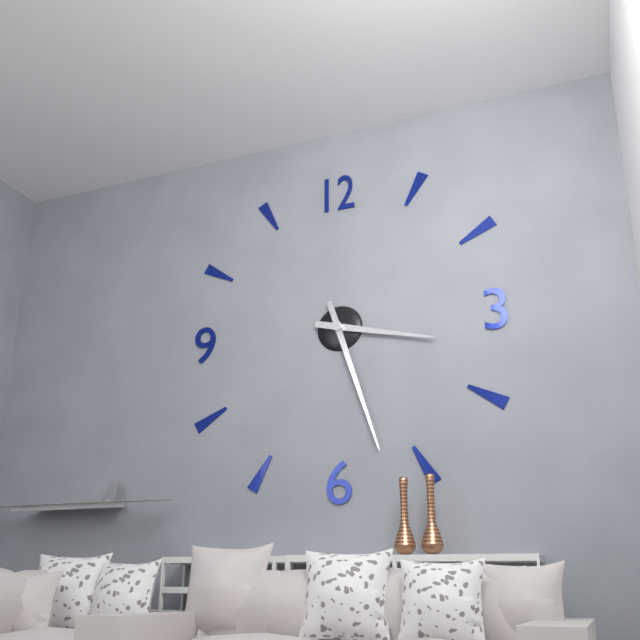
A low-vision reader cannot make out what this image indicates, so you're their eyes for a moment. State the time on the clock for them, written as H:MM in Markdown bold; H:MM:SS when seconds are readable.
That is **3:27**
